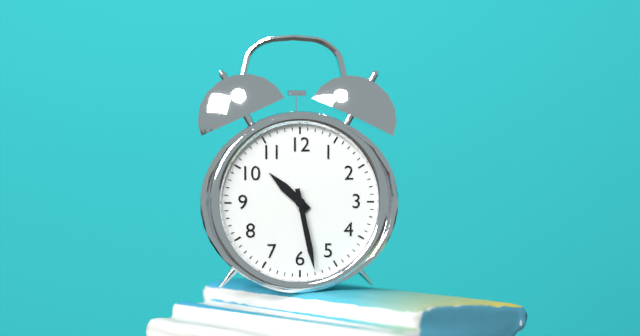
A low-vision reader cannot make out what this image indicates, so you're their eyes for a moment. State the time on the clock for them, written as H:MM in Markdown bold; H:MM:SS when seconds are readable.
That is **10:28**
